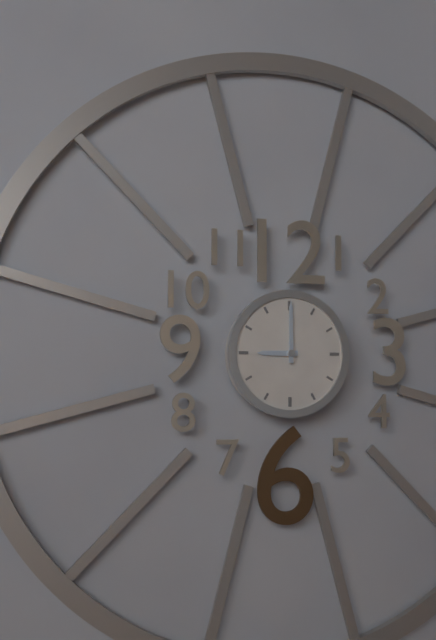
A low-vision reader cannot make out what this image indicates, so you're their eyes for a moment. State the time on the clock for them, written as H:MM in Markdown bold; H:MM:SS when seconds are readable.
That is **9:00**
